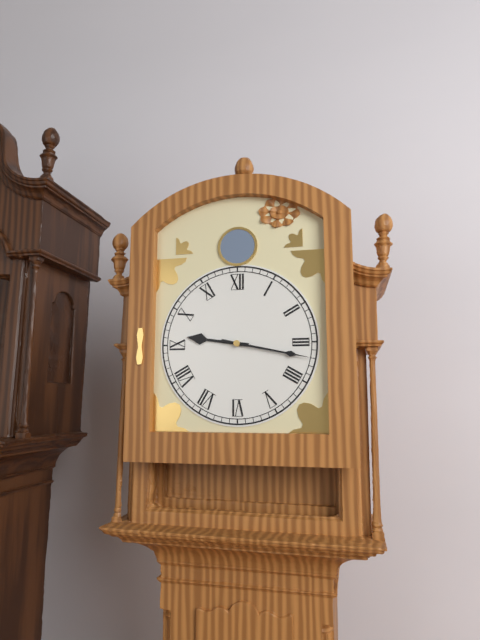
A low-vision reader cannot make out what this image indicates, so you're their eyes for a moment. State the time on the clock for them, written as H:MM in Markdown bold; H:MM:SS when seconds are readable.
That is **9:17**
